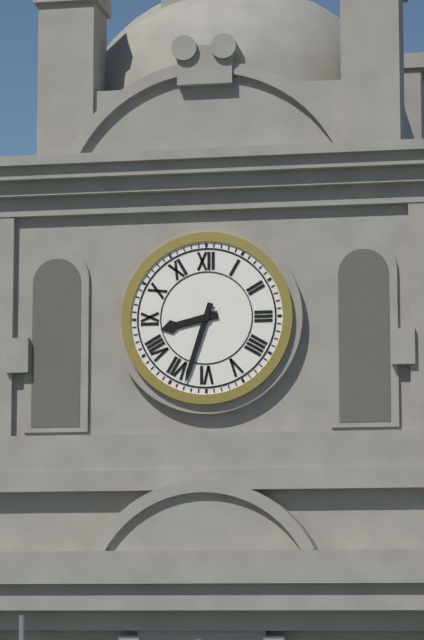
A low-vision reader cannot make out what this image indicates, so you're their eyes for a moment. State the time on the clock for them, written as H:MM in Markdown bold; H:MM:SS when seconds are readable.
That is **8:33**
